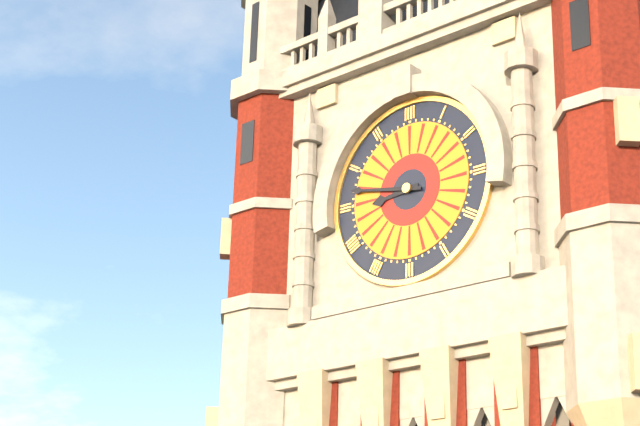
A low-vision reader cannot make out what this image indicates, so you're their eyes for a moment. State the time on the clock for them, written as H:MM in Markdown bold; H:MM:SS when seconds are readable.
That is **8:47**
